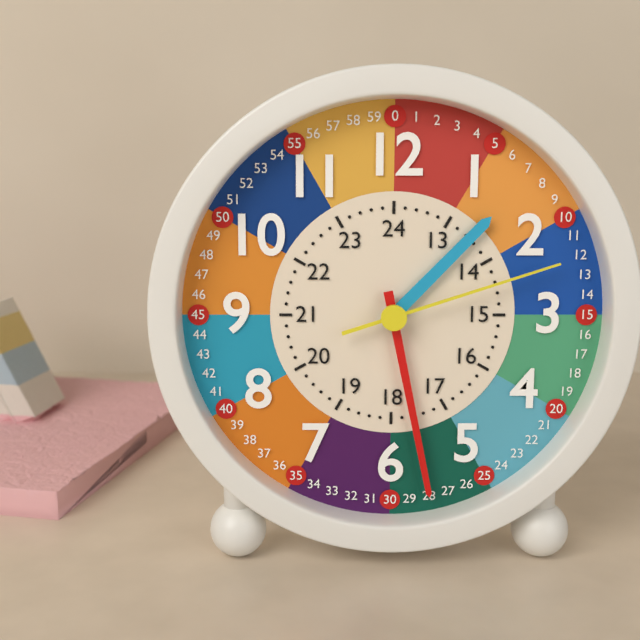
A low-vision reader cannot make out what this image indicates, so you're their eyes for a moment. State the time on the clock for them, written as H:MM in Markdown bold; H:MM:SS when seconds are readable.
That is **1:28:12**
